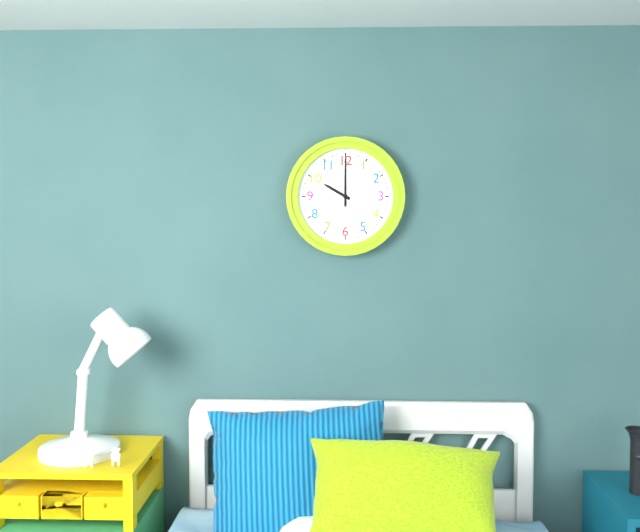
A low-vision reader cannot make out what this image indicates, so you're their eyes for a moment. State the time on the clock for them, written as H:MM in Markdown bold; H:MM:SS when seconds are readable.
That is **10:00**
